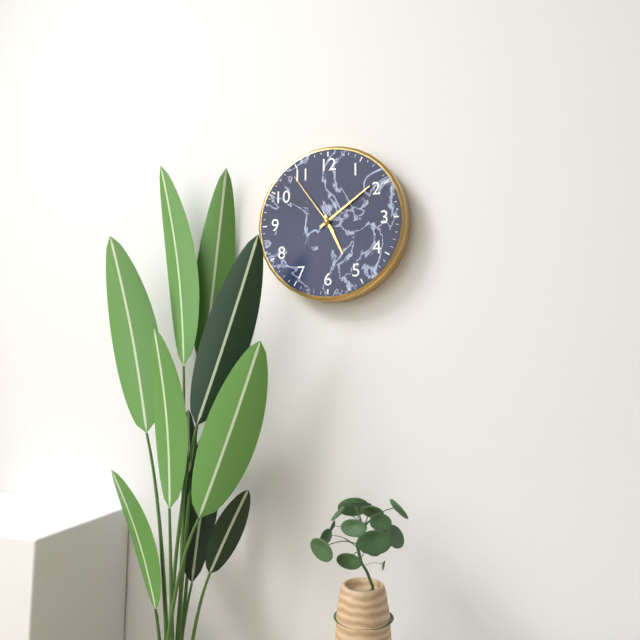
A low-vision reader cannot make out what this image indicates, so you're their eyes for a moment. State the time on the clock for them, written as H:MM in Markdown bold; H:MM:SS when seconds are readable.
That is **5:09:54**
